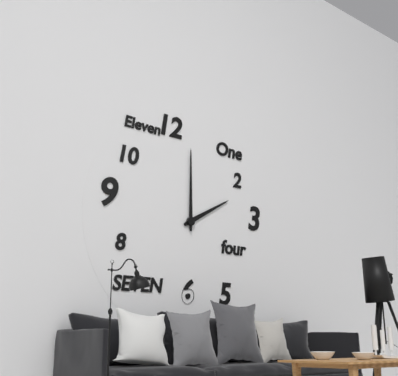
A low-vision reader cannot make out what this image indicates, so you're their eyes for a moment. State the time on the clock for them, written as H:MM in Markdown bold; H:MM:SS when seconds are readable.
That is **2:00**
